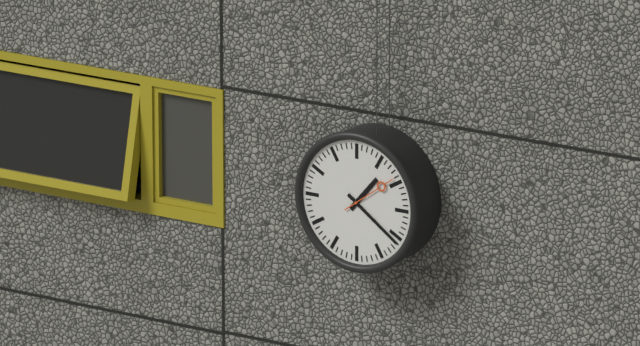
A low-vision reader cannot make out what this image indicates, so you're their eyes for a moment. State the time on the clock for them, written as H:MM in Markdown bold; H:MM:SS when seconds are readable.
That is **1:21:09**
